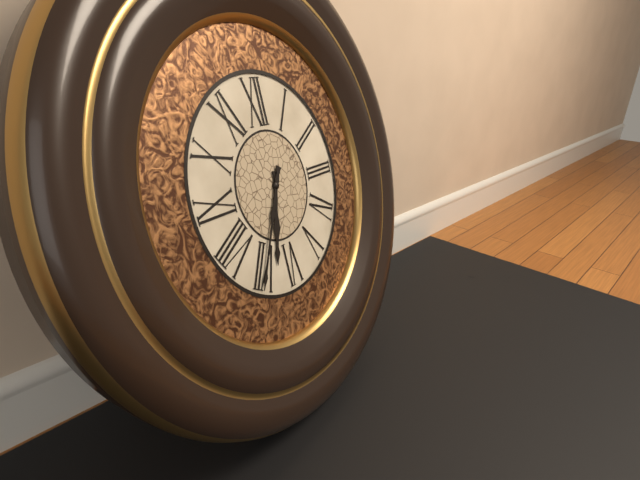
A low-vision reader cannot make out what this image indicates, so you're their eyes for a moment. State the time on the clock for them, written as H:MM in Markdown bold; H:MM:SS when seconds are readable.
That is **6:35**
